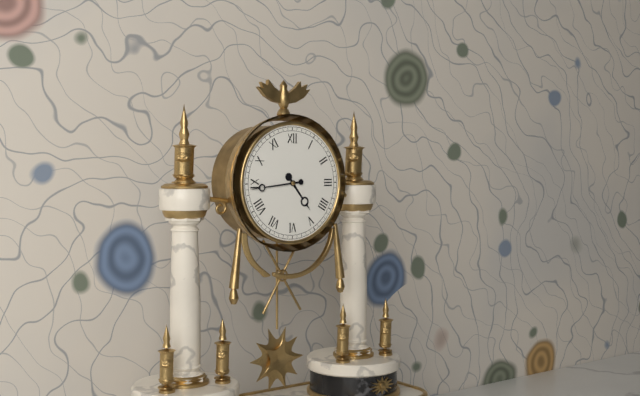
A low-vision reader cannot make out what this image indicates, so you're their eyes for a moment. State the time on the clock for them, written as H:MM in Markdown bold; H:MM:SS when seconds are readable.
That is **4:44**
